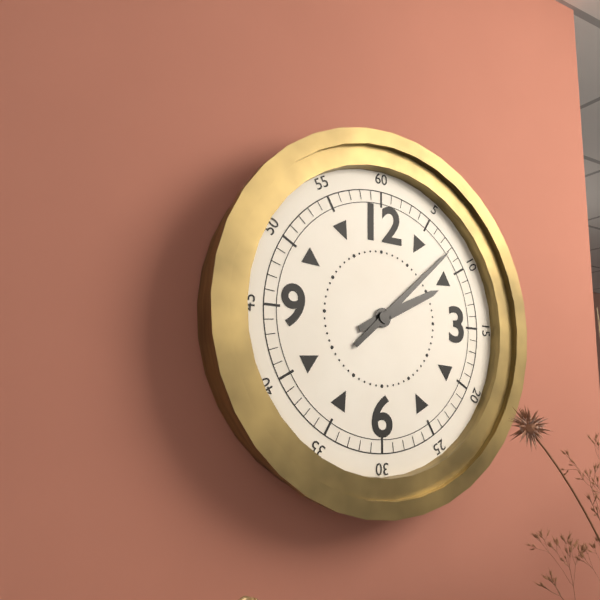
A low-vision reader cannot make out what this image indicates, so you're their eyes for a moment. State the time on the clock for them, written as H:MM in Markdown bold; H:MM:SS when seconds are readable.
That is **2:08**
